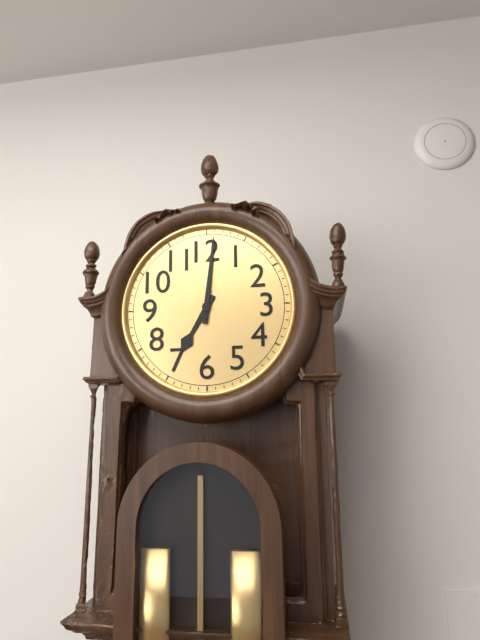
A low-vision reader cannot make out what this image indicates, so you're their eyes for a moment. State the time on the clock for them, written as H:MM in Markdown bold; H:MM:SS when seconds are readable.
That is **7:01**
